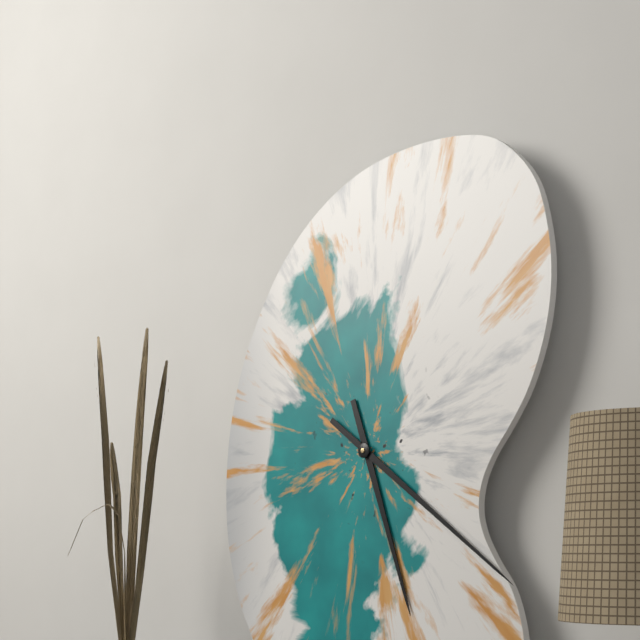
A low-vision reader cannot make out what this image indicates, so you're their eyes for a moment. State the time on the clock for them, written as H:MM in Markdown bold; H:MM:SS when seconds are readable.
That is **5:21**
